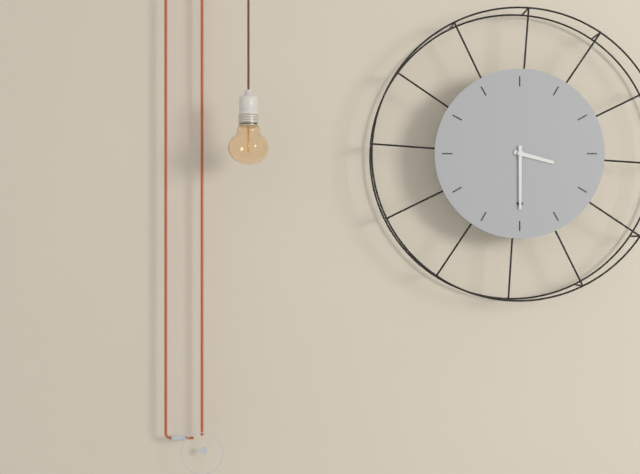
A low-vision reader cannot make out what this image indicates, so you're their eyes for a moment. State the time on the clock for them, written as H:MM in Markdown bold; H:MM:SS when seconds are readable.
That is **3:30**
